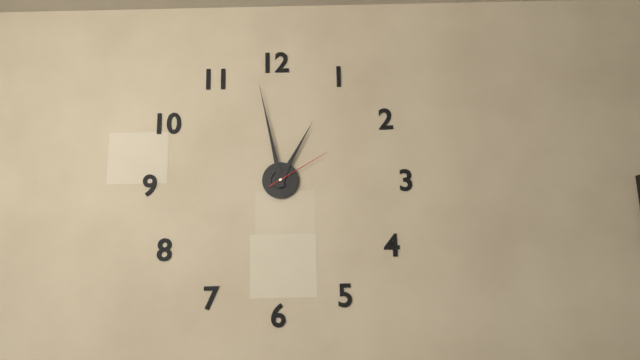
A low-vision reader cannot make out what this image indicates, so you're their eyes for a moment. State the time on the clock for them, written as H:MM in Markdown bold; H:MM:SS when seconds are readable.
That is **12:58:10**
